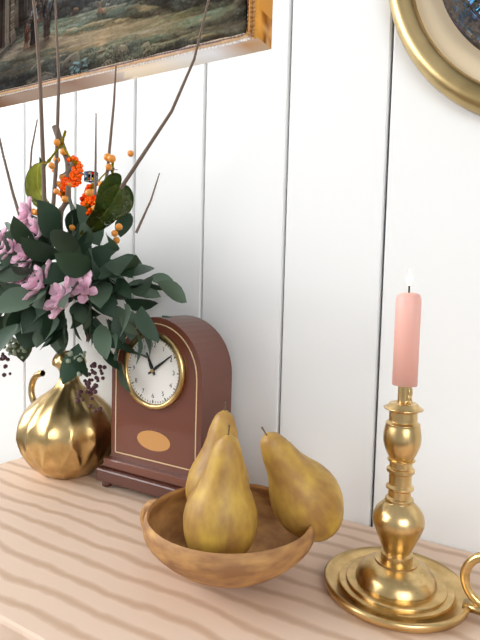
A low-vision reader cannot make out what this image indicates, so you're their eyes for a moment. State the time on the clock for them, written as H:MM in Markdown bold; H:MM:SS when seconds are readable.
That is **11:09**
